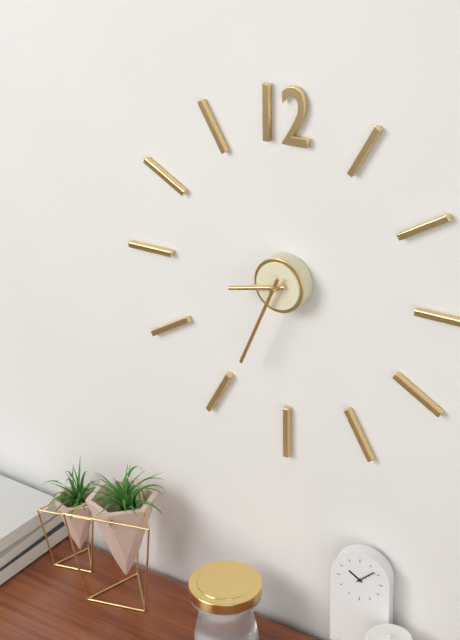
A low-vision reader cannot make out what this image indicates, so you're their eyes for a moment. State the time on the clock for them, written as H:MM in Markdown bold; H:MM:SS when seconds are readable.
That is **8:34**
